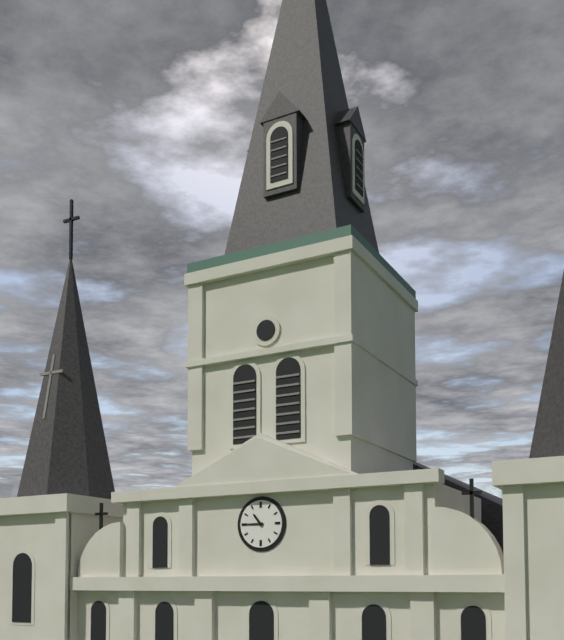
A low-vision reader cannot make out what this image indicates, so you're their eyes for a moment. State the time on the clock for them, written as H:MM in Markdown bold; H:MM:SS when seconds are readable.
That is **10:45**
